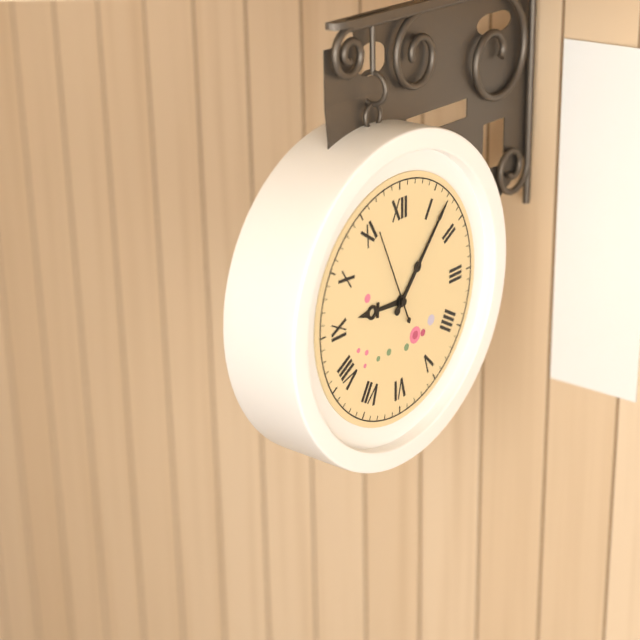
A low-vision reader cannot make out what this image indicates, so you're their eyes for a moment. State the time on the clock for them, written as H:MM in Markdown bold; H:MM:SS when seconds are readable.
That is **9:07:56**
